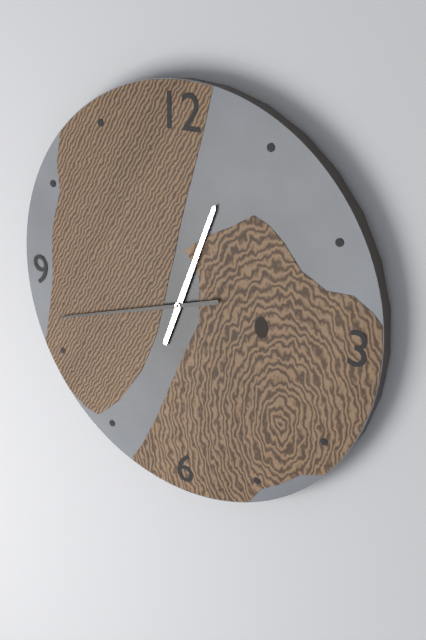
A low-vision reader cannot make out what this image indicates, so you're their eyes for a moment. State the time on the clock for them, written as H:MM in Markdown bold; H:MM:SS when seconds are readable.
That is **12:42**
